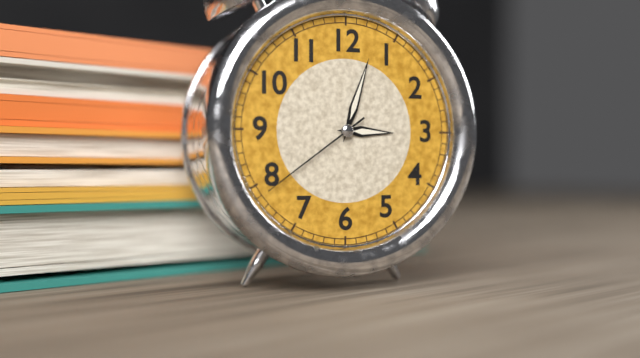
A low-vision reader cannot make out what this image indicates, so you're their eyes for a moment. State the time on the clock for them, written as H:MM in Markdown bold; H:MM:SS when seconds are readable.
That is **3:03:39**
